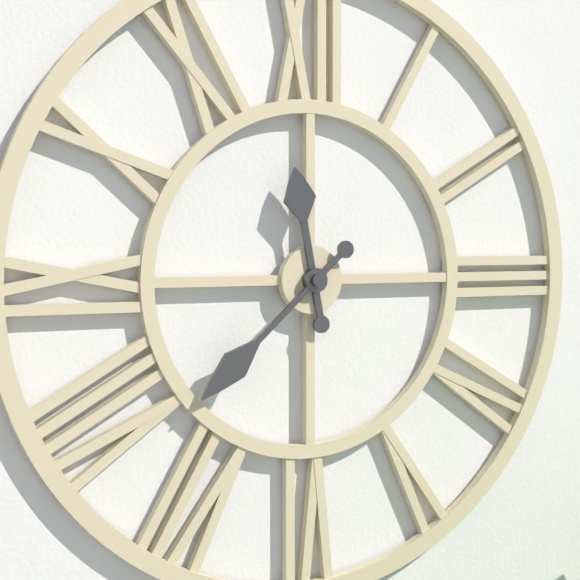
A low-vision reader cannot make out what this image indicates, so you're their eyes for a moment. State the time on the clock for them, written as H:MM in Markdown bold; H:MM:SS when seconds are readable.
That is **11:38**
